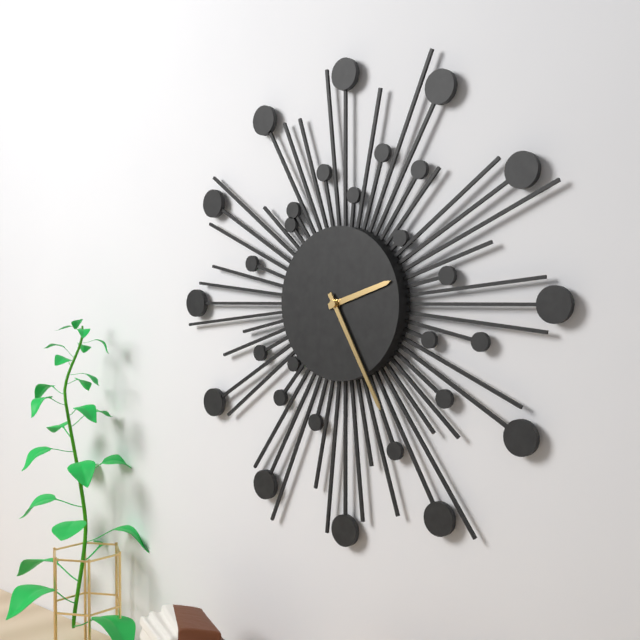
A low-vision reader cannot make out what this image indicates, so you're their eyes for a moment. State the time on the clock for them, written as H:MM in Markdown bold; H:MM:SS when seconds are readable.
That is **2:25**
